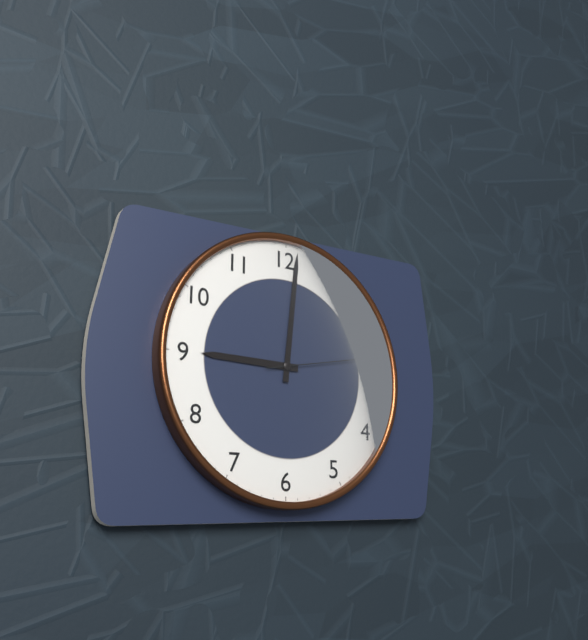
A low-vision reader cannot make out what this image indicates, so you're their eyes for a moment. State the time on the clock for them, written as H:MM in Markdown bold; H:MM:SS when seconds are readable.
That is **9:01:13**
